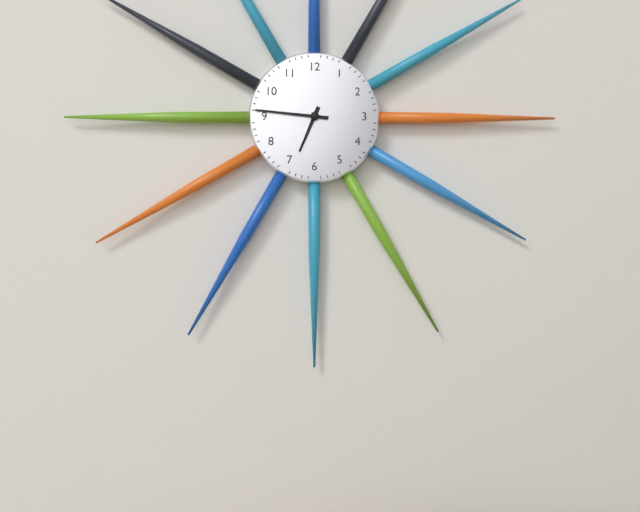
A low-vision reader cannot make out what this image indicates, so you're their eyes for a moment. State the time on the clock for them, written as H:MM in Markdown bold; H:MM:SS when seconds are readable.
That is **6:46**
